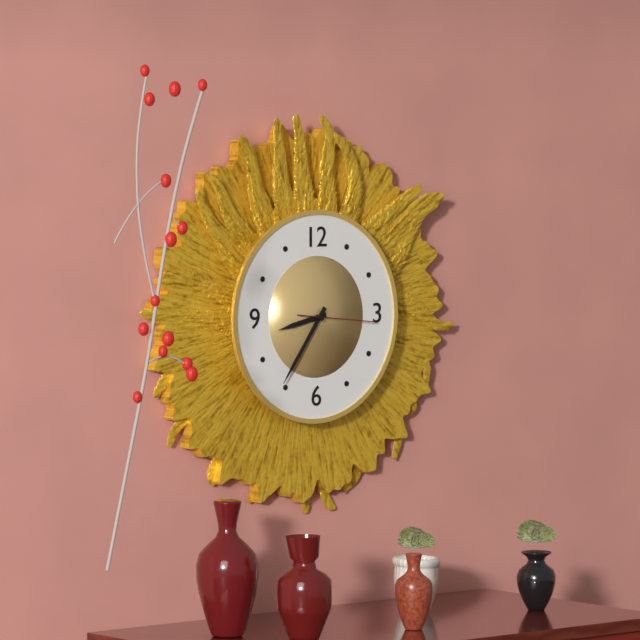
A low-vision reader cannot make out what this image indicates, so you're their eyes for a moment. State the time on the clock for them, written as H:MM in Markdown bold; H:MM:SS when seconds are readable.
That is **8:36:16**
